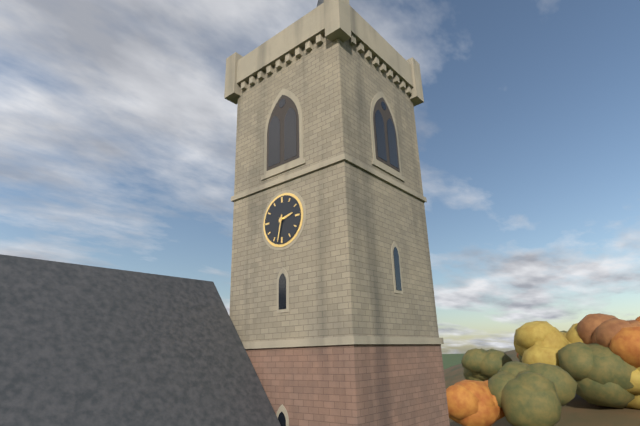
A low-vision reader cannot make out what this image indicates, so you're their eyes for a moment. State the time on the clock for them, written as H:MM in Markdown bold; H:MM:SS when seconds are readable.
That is **2:32**
